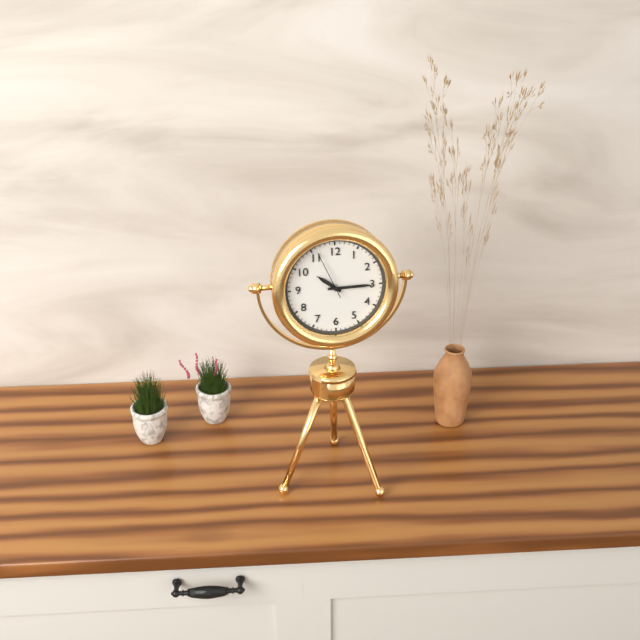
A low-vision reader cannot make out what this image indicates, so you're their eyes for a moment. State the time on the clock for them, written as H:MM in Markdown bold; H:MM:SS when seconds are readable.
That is **10:15:56**
